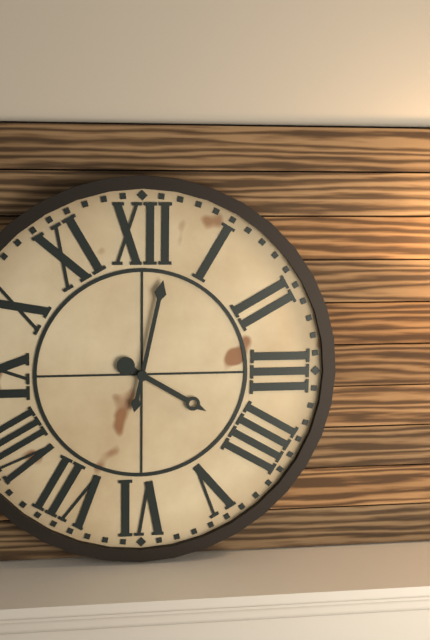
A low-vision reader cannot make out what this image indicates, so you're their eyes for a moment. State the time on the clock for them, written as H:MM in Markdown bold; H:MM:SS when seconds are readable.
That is **4:02**
